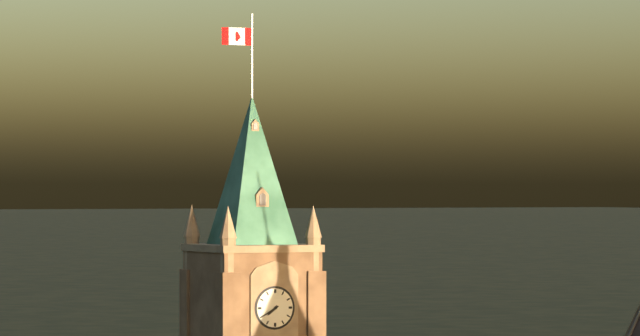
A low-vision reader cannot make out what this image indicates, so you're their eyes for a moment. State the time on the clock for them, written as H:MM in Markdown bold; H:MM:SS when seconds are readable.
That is **7:40**
